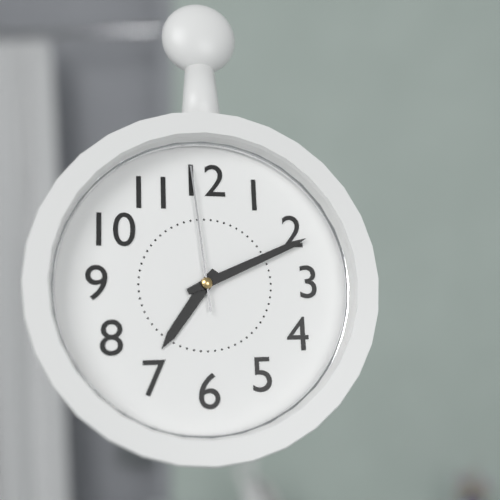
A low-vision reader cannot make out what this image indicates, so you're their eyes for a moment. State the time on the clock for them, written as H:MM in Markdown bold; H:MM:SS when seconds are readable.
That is **7:11:59**
